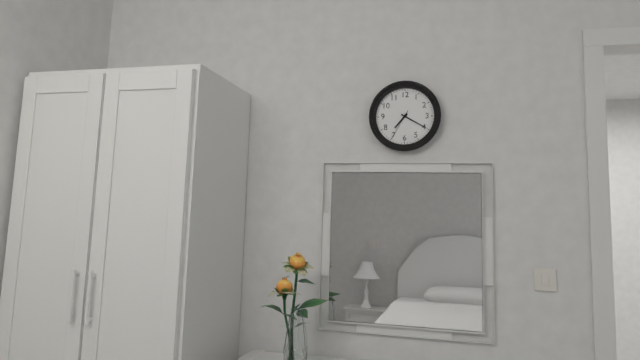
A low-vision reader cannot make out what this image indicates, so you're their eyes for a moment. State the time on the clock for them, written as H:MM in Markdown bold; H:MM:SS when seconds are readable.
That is **7:20**
